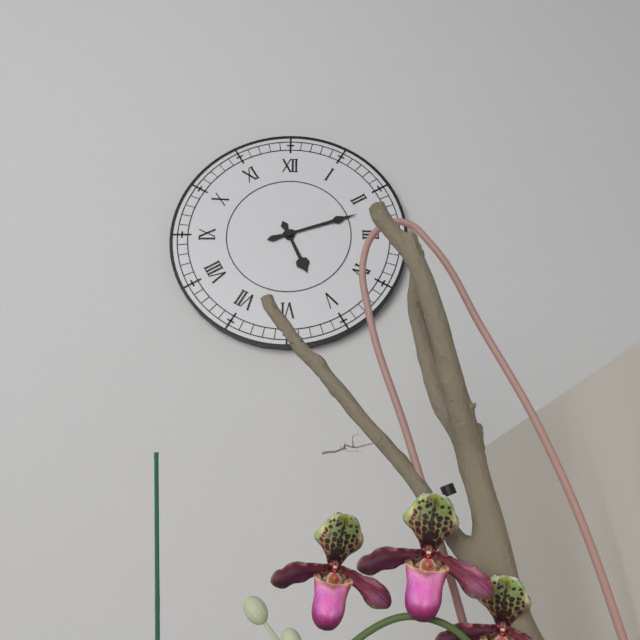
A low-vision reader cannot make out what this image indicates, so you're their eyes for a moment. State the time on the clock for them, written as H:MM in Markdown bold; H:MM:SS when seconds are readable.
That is **5:12**
